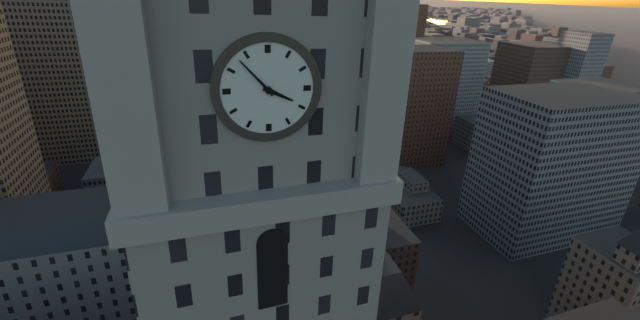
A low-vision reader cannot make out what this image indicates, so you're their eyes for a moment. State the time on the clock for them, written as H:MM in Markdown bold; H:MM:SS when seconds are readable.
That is **3:53**
